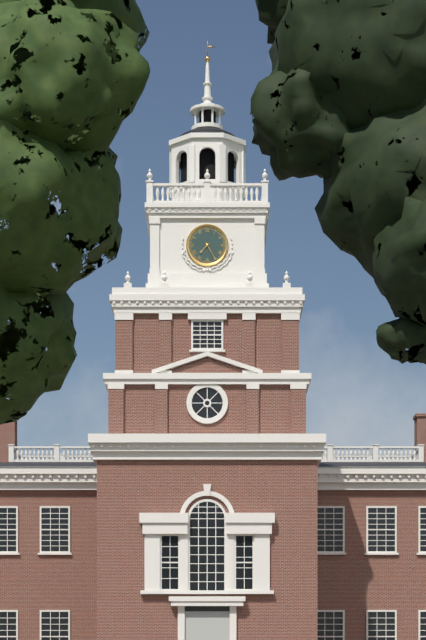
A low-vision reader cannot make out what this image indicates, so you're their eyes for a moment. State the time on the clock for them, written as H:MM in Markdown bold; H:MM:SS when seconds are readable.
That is **7:25**
